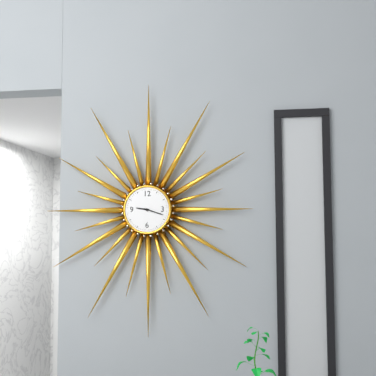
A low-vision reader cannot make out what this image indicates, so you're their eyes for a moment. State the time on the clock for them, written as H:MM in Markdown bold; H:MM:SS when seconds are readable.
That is **9:18**
